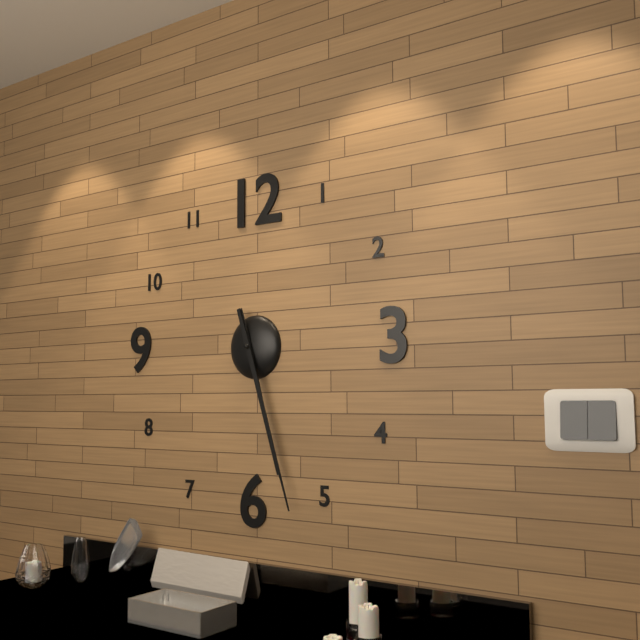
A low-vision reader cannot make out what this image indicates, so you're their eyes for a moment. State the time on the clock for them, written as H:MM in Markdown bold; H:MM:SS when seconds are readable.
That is **5:27**
